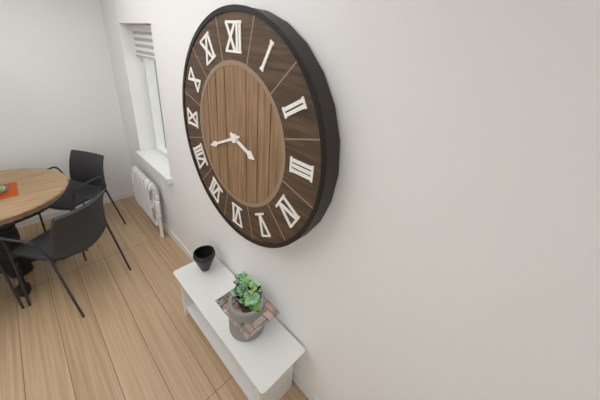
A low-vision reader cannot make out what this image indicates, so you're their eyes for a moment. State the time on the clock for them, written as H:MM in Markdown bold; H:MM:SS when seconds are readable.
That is **3:41**
